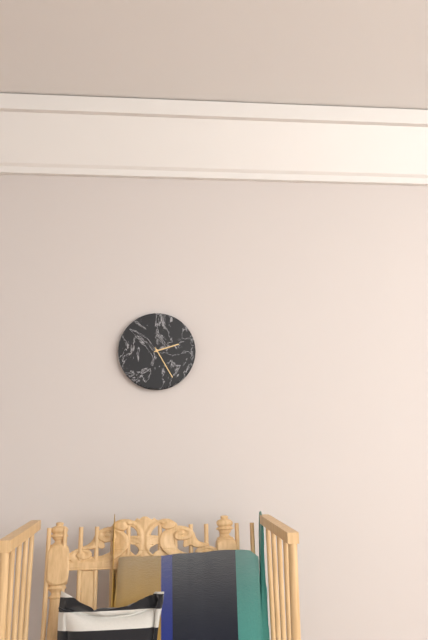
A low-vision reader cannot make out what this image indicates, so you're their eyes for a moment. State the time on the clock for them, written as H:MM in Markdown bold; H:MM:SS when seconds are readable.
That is **2:25**
